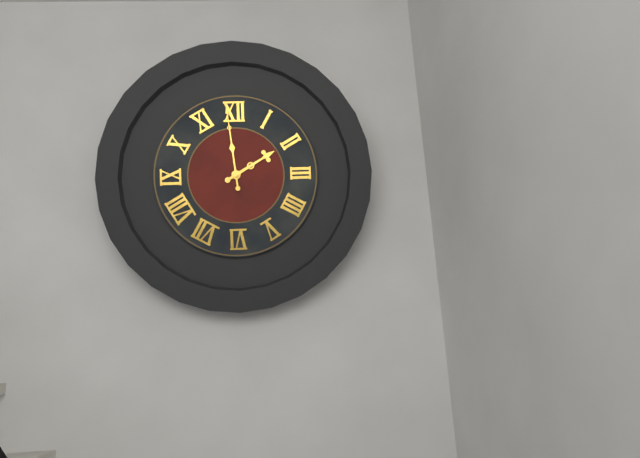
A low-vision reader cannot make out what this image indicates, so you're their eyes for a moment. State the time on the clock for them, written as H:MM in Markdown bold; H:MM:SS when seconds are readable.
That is **1:59**
